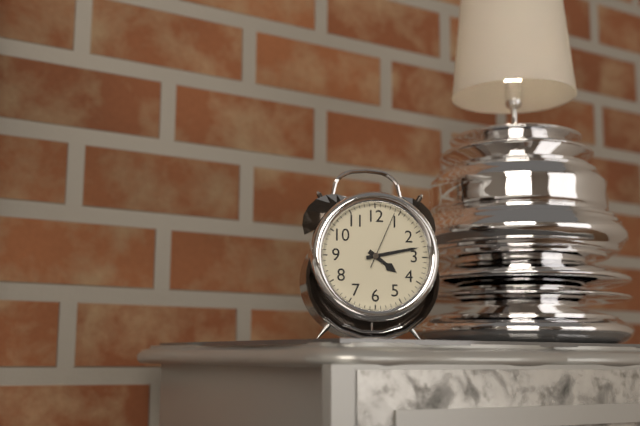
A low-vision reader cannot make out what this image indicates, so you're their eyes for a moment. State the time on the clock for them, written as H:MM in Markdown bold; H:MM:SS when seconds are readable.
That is **4:13:04**
